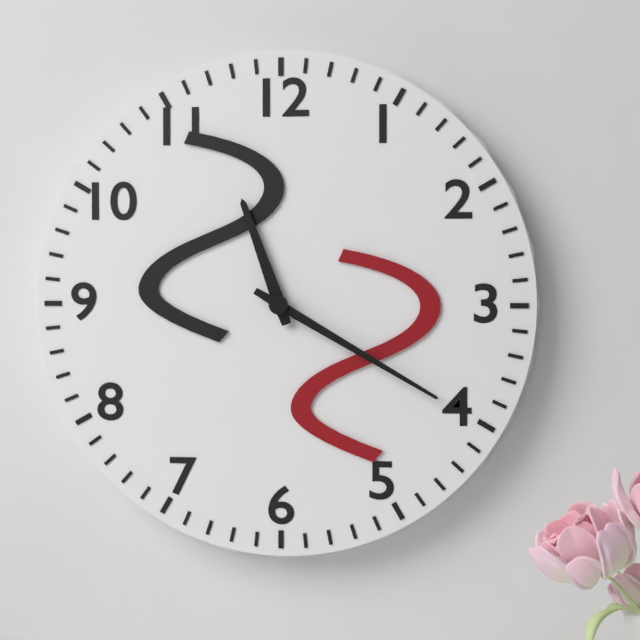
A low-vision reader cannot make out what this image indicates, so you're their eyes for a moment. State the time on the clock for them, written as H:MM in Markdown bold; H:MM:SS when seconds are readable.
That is **11:20**
